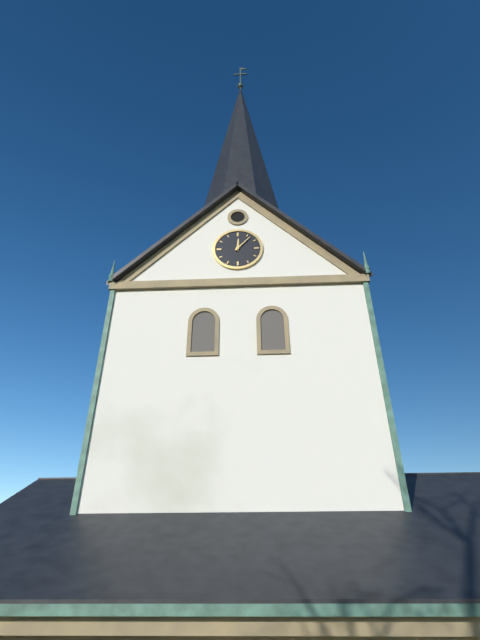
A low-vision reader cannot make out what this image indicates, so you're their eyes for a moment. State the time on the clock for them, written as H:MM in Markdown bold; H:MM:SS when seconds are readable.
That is **12:07**
